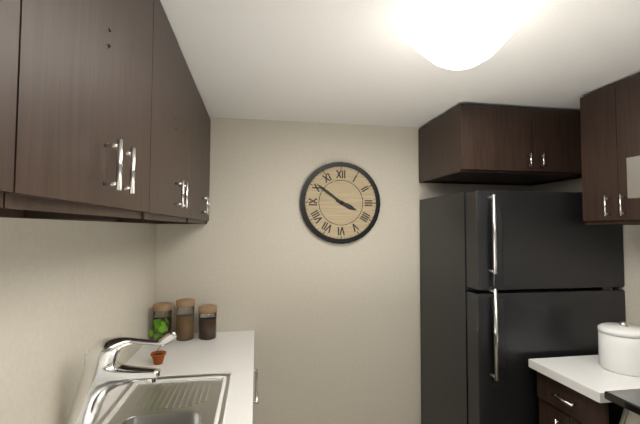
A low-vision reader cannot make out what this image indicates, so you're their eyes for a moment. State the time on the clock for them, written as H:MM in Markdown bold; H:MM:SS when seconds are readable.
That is **3:51**
